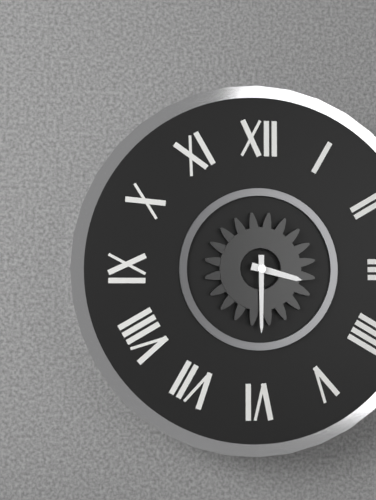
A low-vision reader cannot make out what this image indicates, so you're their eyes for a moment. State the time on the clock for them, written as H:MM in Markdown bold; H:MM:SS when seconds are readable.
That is **3:30**
